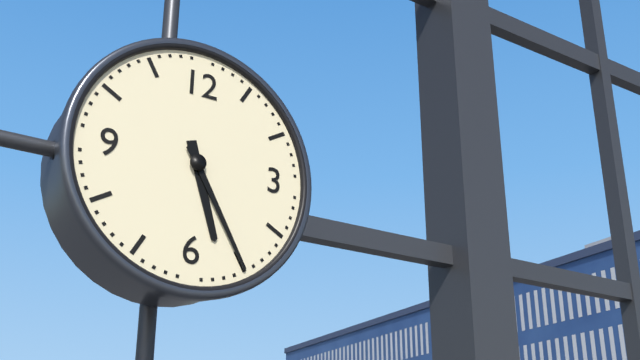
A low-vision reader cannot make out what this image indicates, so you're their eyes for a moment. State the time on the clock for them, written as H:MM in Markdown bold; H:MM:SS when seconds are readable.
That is **5:25**
